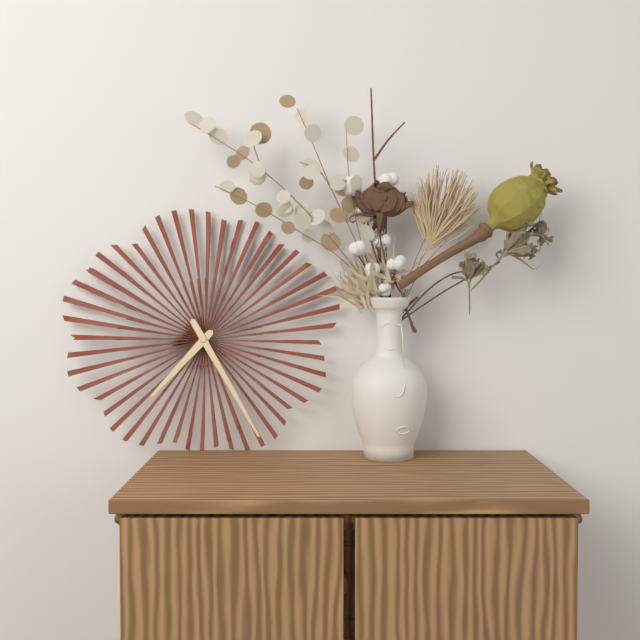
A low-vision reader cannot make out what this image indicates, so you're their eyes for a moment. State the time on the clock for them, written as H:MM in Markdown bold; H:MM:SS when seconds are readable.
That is **7:25**
